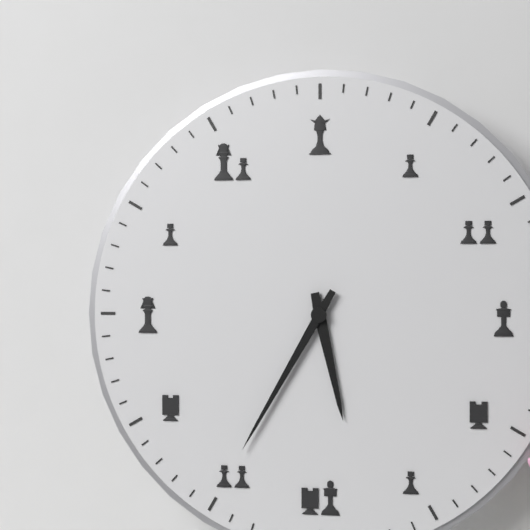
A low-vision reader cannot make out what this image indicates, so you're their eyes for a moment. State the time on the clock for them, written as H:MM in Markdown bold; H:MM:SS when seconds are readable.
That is **5:35**
